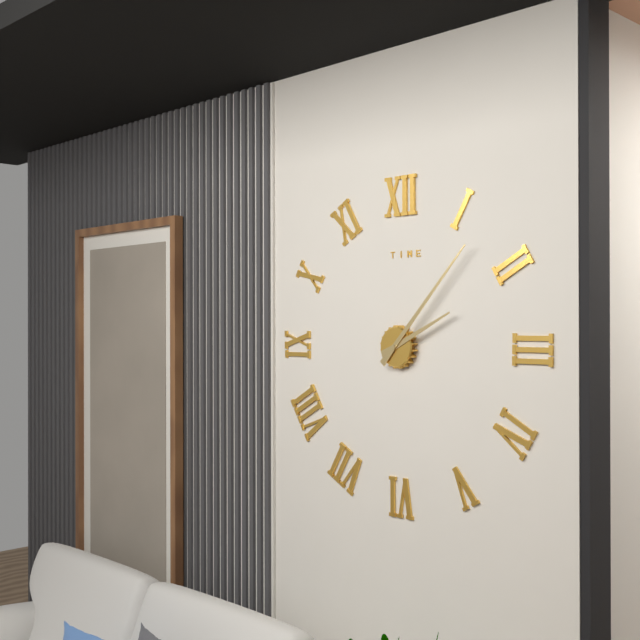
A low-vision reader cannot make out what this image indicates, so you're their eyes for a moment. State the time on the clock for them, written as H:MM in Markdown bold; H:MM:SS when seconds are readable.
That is **2:07**
